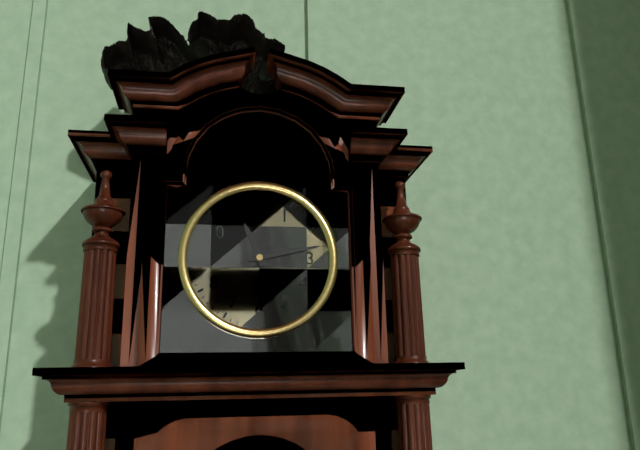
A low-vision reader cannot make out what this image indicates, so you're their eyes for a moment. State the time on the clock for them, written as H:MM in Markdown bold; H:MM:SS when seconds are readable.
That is **11:13**
